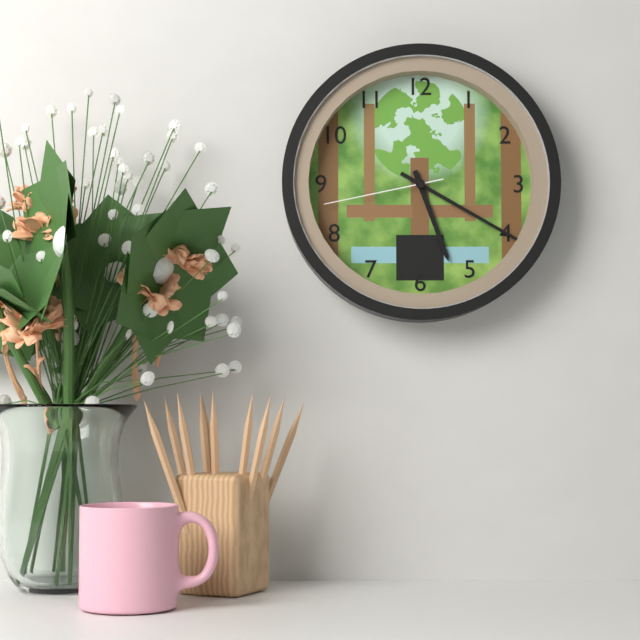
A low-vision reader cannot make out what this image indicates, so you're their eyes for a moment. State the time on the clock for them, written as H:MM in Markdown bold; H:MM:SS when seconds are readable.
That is **5:20:43**
